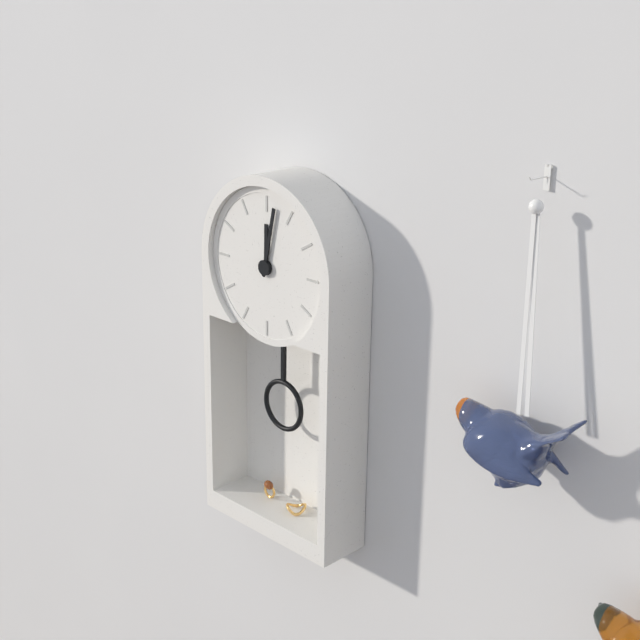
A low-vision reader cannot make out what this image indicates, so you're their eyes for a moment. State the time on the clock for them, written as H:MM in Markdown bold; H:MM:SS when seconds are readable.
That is **12:02**
